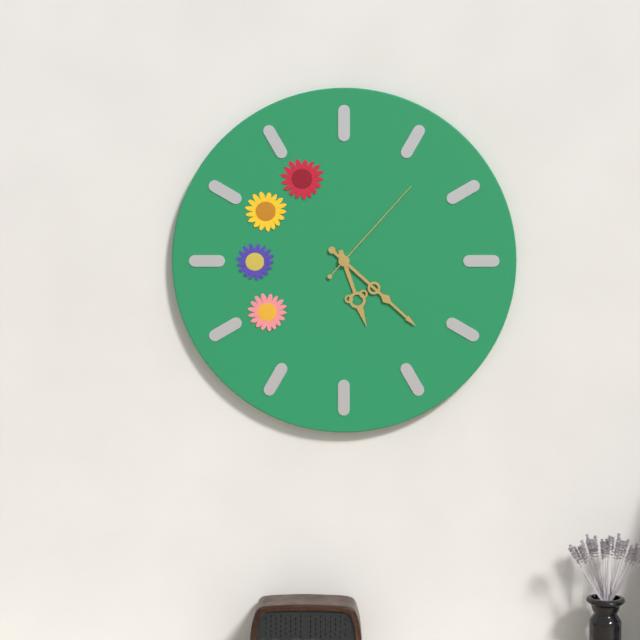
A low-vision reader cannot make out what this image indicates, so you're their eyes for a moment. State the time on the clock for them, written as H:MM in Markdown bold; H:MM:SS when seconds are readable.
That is **5:22:07**
